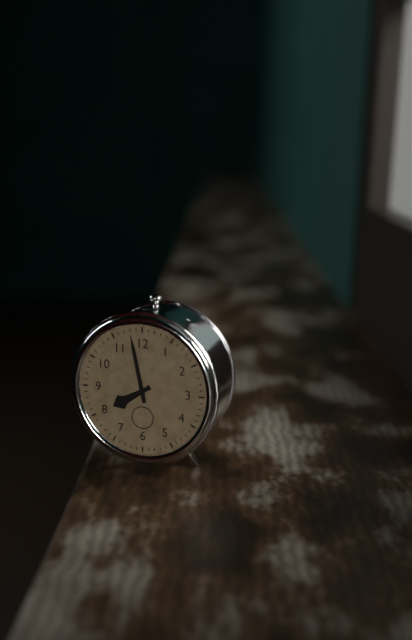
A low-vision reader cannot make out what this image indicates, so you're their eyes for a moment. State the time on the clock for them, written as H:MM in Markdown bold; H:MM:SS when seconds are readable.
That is **7:58**
